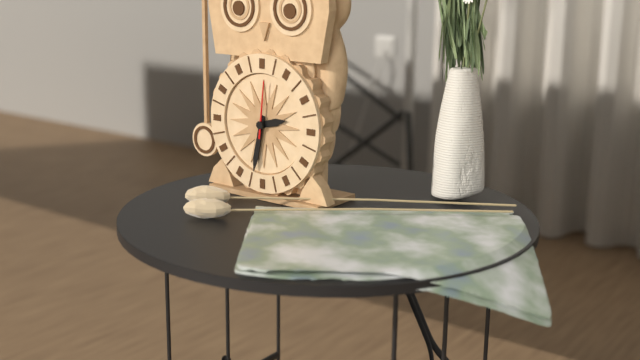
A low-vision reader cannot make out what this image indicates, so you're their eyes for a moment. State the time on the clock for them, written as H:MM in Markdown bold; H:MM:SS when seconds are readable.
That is **2:32:01**
